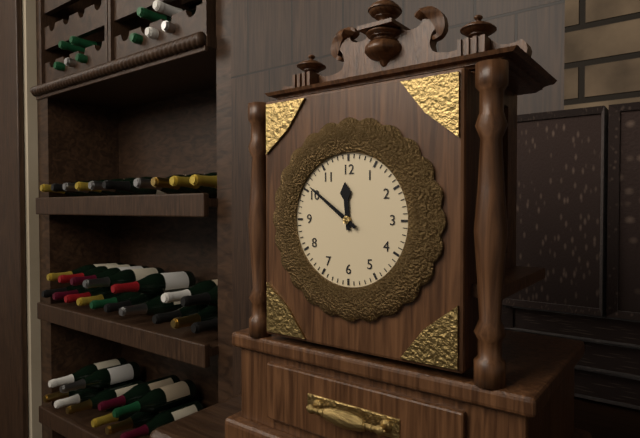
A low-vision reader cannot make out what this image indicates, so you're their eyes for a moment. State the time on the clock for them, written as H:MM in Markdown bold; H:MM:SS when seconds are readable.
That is **11:51**
